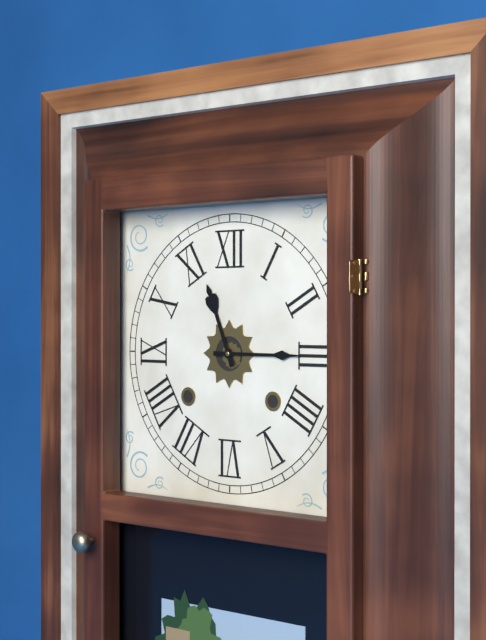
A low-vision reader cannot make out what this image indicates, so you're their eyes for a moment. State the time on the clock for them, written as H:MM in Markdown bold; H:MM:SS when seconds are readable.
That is **11:15**
